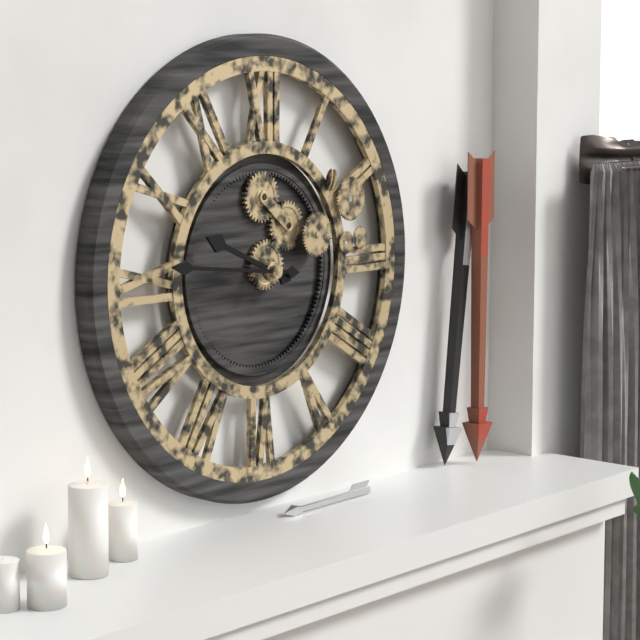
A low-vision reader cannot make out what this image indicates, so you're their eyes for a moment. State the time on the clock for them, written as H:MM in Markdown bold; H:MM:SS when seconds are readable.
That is **9:46**
